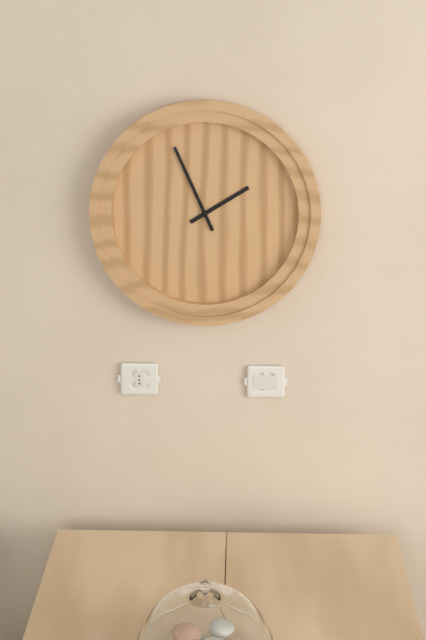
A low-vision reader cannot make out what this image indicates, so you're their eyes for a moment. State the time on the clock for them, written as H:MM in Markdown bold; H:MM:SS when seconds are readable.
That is **1:56**
